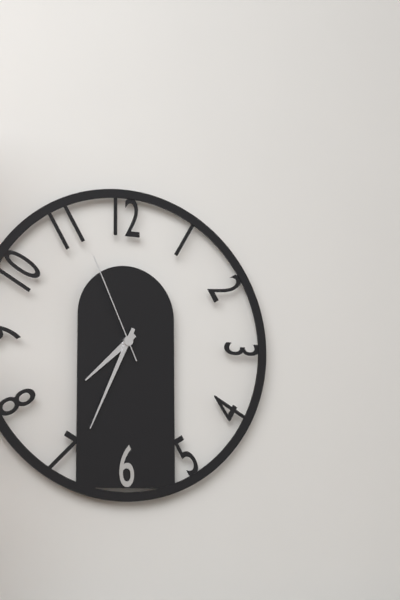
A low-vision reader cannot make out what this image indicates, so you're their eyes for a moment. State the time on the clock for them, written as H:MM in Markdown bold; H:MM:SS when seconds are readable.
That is **7:34:56**
